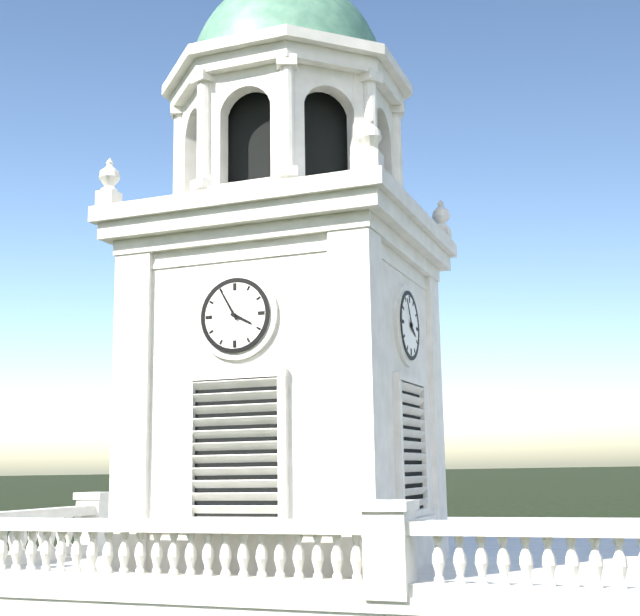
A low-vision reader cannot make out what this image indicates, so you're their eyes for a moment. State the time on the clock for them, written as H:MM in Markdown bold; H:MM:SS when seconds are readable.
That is **3:55**
